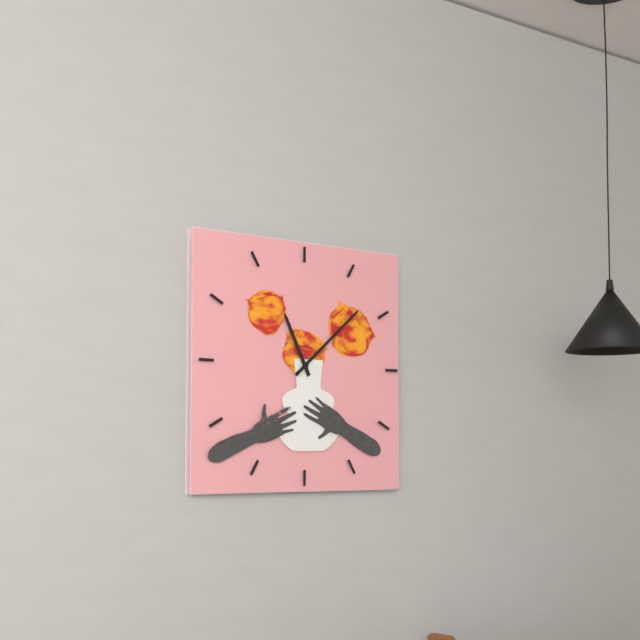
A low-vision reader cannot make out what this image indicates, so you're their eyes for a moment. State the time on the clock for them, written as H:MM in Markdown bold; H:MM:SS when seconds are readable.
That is **11:08**
